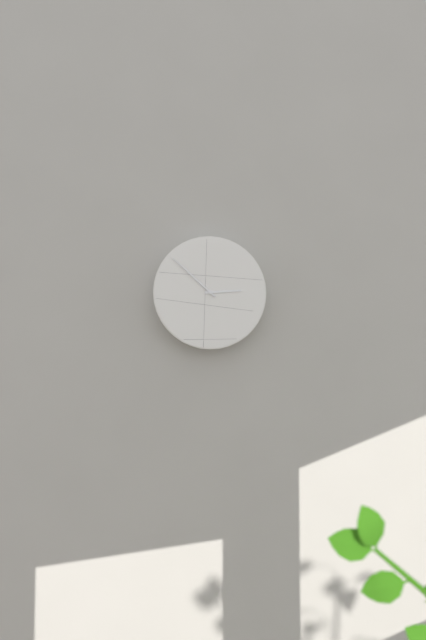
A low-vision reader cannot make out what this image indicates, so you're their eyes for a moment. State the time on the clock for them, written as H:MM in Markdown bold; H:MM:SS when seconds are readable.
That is **2:52**
